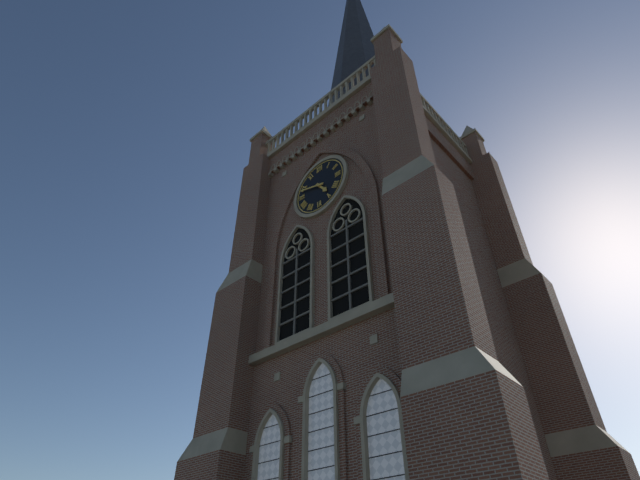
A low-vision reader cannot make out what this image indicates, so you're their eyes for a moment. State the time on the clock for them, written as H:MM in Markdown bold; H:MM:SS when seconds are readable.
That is **4:48**
